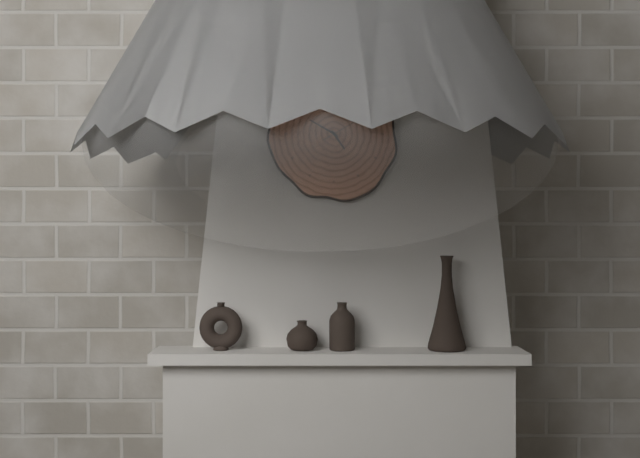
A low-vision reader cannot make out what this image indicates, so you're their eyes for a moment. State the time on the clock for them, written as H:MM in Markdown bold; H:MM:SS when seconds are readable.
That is **4:50**
